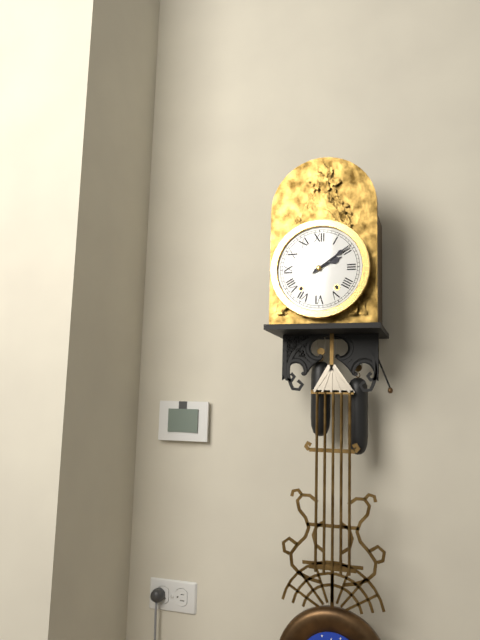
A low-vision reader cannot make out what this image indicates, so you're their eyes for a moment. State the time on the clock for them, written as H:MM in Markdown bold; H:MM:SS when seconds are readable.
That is **2:09**
